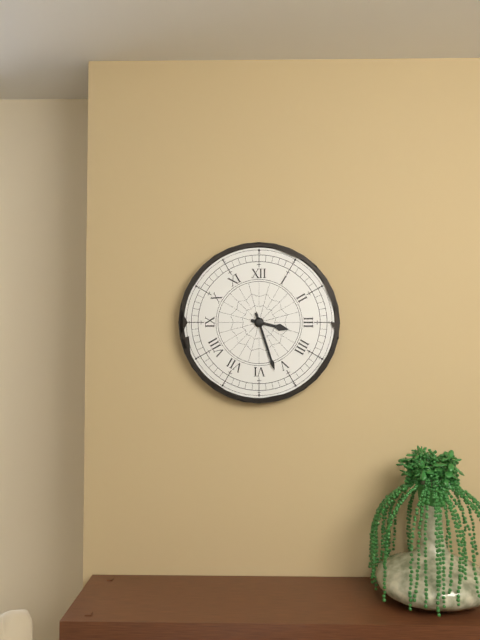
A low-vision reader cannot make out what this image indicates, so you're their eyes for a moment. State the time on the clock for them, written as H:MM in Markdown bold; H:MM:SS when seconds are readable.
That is **3:27**
